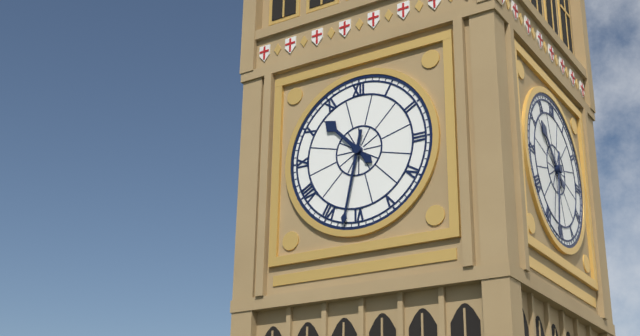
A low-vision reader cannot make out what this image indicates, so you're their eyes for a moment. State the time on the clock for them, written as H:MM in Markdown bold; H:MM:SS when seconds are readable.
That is **10:32**
